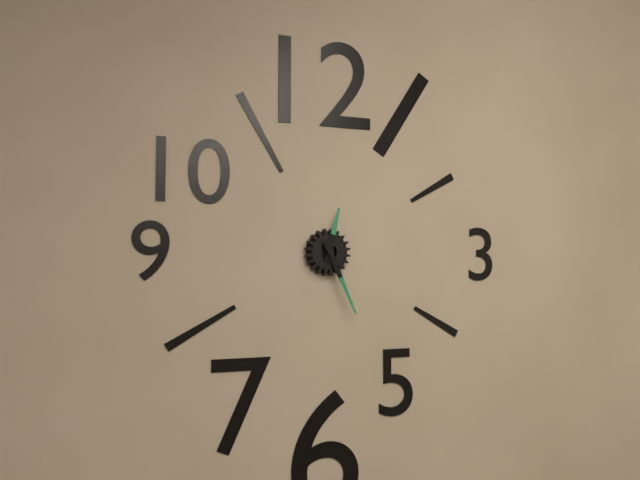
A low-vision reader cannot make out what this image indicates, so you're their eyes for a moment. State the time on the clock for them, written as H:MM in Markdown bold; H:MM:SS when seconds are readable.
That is **12:26**
